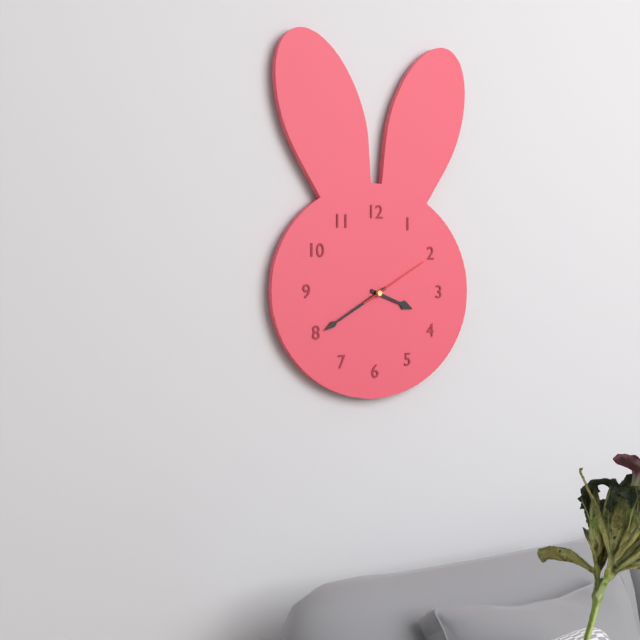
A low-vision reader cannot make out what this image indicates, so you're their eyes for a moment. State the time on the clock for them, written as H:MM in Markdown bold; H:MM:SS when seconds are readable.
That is **3:40:10**
